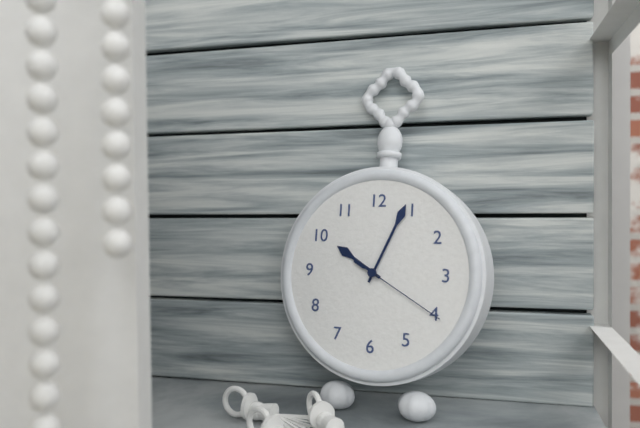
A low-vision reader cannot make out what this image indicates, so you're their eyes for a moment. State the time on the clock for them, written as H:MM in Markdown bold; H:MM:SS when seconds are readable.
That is **10:04:20**
